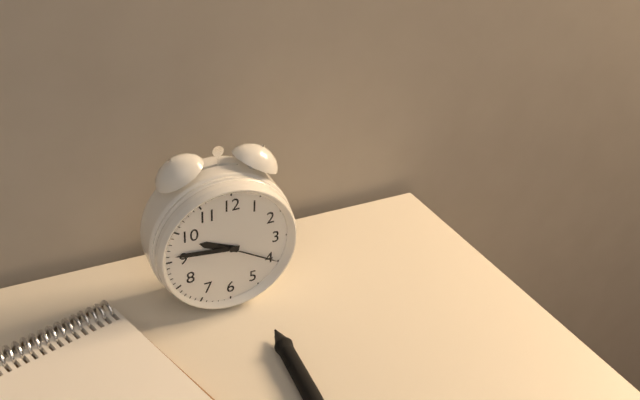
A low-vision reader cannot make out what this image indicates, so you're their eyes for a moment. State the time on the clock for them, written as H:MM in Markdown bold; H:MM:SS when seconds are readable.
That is **9:46:20**
